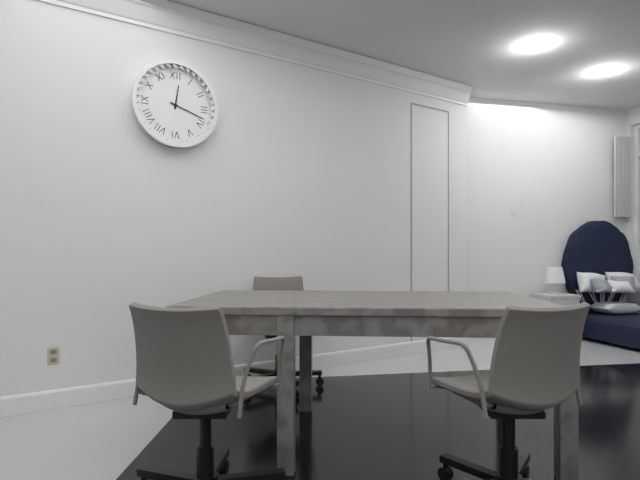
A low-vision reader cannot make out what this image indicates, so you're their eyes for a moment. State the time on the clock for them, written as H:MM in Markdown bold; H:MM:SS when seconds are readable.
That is **12:18**
